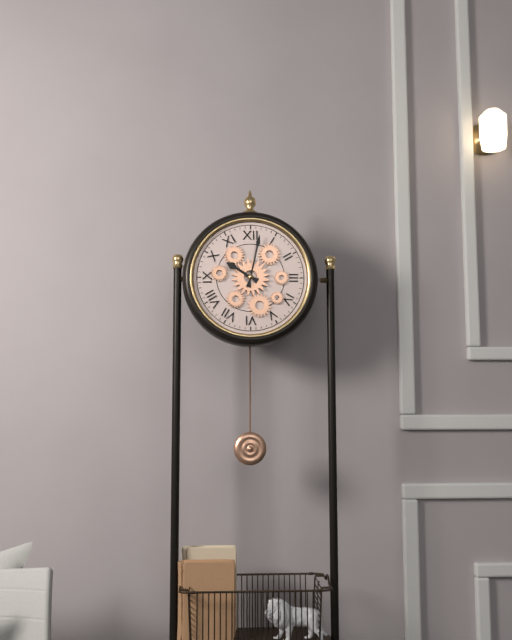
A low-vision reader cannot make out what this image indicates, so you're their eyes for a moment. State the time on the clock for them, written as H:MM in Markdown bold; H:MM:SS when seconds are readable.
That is **10:02**
